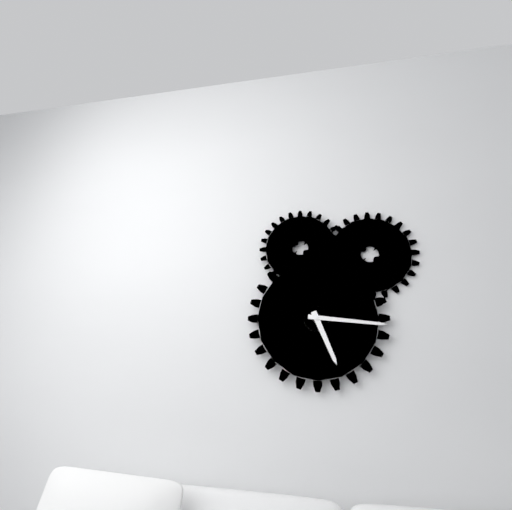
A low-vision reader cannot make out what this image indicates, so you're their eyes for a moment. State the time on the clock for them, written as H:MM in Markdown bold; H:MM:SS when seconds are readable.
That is **5:16**
